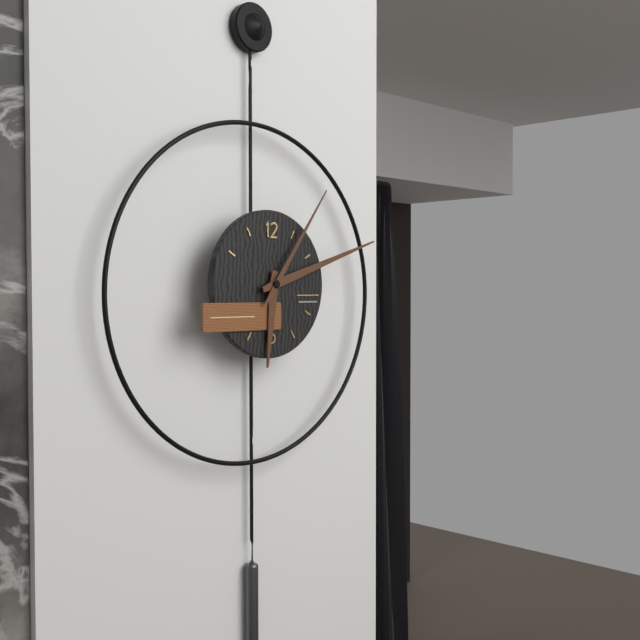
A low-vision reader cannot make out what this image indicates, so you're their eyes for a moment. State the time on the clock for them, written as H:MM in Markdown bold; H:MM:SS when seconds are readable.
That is **6:12:06**
